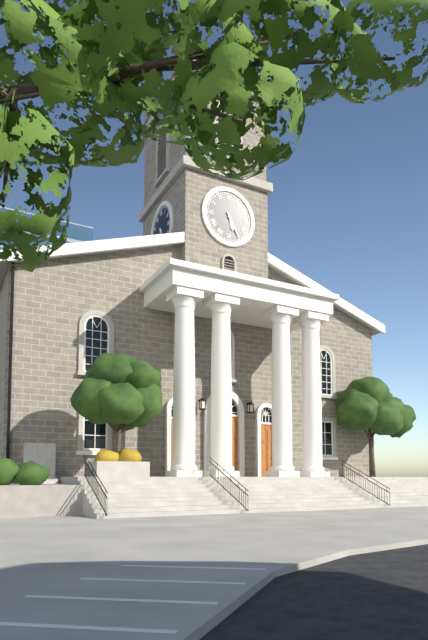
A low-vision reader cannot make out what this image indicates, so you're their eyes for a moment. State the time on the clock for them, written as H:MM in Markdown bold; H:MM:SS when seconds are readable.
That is **5:25**
